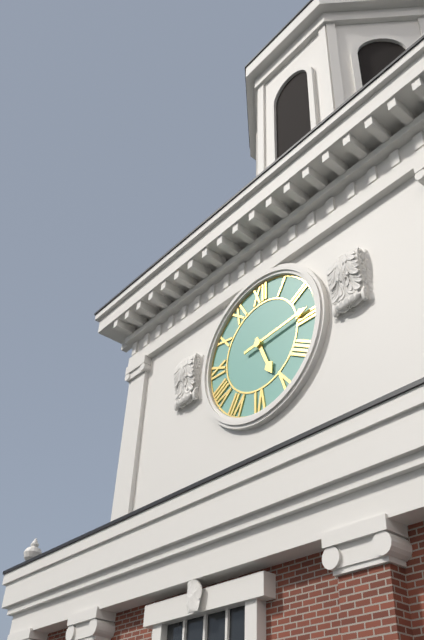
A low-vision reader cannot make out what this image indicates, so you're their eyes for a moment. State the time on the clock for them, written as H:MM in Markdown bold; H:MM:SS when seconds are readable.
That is **5:14**
